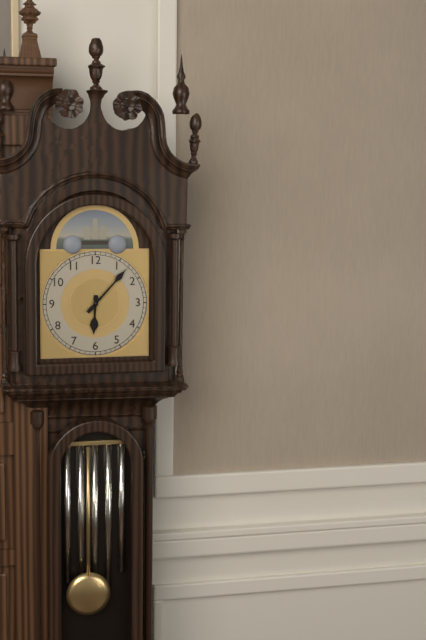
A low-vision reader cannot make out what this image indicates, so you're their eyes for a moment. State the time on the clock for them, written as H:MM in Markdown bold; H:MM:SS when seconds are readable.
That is **6:07**
